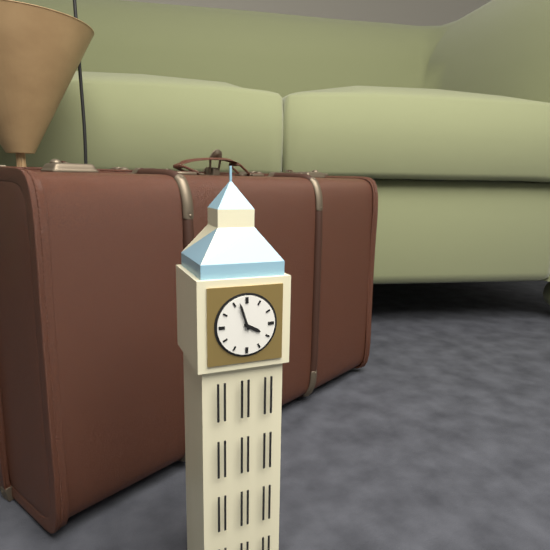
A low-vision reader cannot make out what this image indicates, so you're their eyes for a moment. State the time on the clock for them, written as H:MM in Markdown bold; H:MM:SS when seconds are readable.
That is **3:57**
